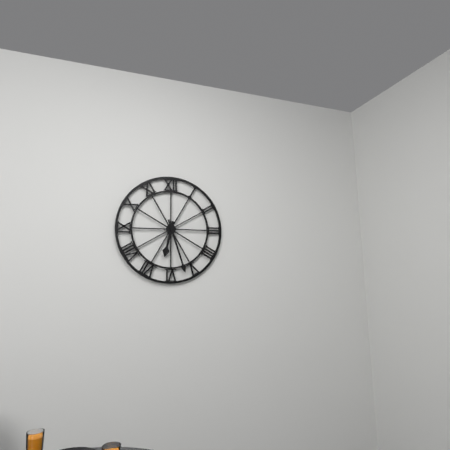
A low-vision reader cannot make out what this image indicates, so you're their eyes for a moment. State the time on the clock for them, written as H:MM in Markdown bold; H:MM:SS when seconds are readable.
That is **6:27**
